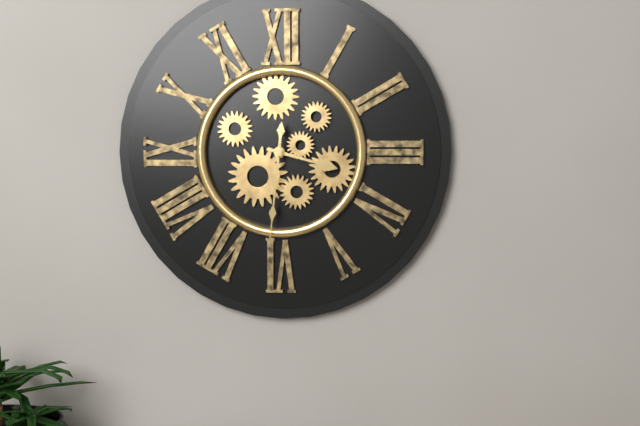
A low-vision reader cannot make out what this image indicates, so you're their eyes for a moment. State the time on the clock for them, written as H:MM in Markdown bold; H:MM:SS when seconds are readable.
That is **3:31**
